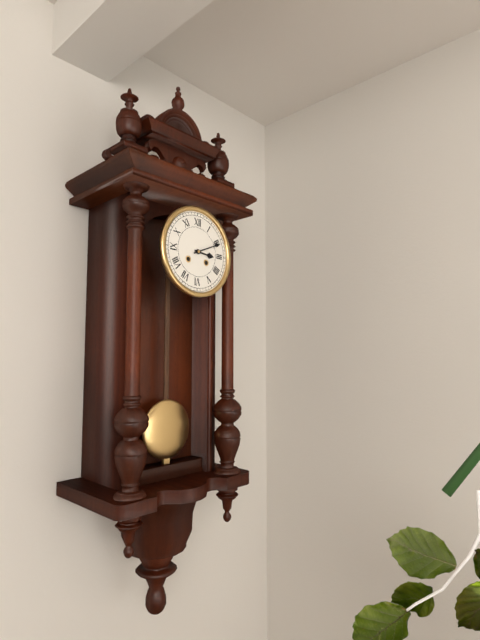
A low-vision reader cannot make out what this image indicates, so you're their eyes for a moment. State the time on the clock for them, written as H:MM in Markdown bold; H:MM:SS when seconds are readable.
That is **3:11**
